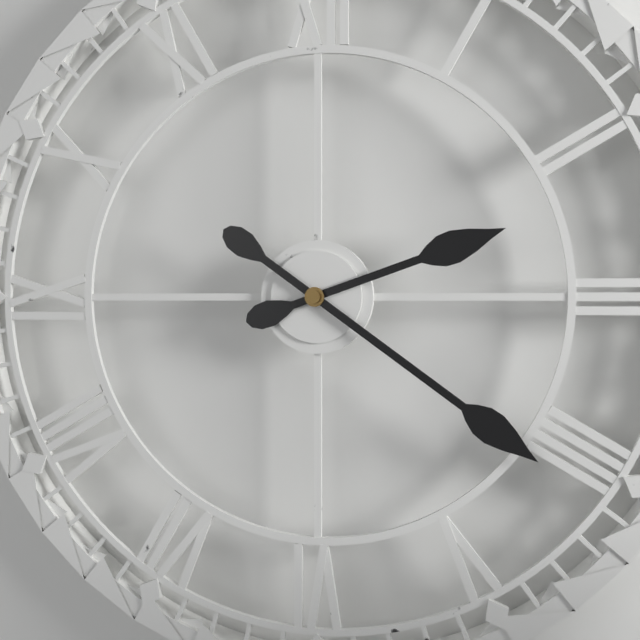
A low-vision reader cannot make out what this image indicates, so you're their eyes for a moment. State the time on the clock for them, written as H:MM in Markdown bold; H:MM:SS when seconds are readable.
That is **2:21**
